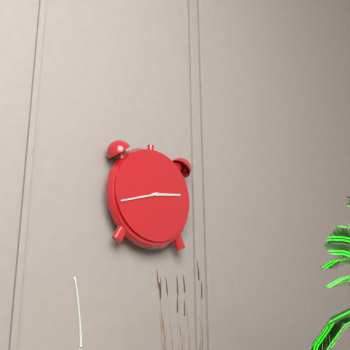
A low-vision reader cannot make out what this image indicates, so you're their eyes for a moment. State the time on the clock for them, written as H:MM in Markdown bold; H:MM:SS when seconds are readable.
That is **2:42**
